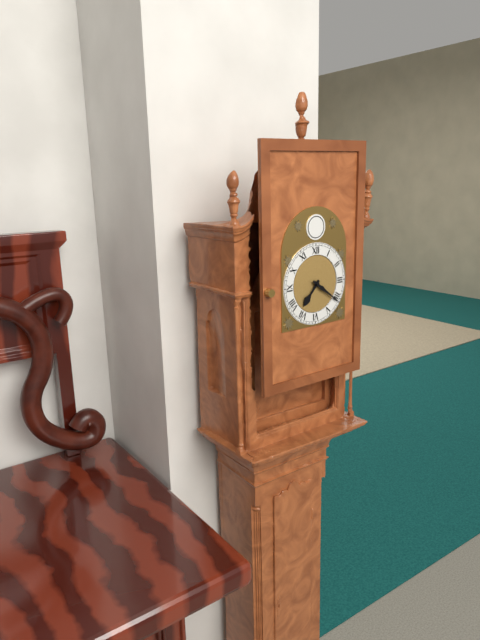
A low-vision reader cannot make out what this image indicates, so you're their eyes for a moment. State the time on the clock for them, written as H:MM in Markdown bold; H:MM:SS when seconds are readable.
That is **7:21**
